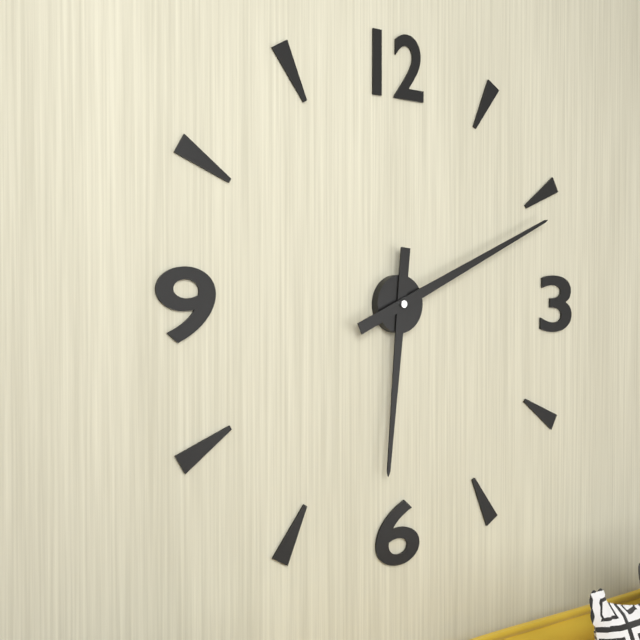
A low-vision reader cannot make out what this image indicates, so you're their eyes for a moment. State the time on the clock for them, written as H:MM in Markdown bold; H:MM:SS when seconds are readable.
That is **6:11**
